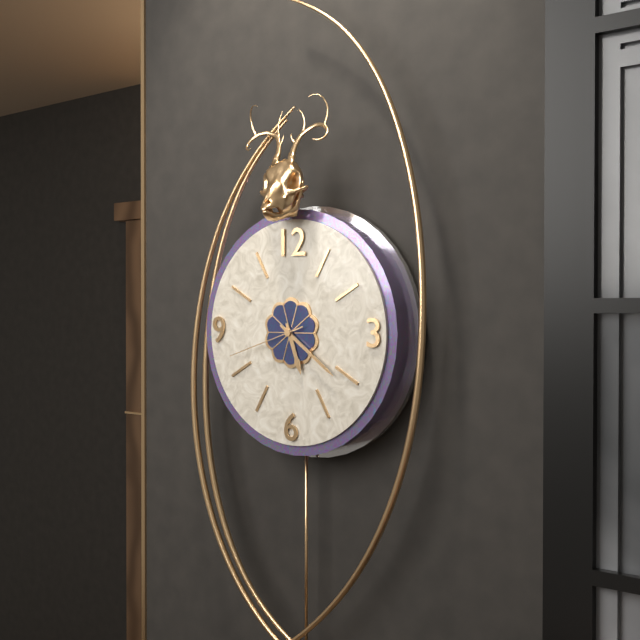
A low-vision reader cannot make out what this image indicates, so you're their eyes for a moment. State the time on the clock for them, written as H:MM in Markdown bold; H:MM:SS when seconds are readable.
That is **5:21:42**
